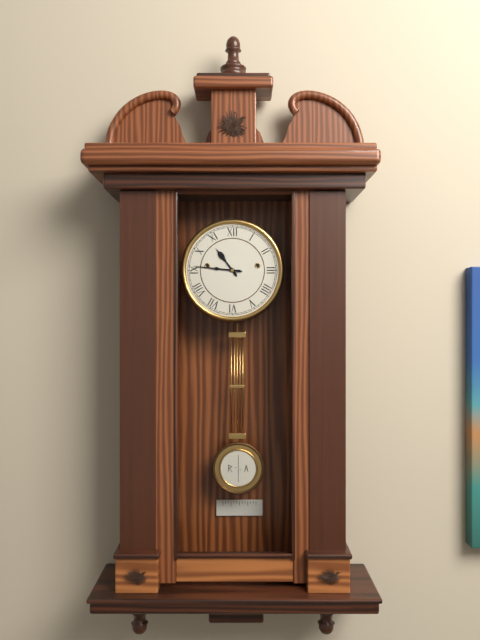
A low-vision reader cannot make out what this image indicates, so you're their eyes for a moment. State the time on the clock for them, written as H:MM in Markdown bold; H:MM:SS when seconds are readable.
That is **10:46**
